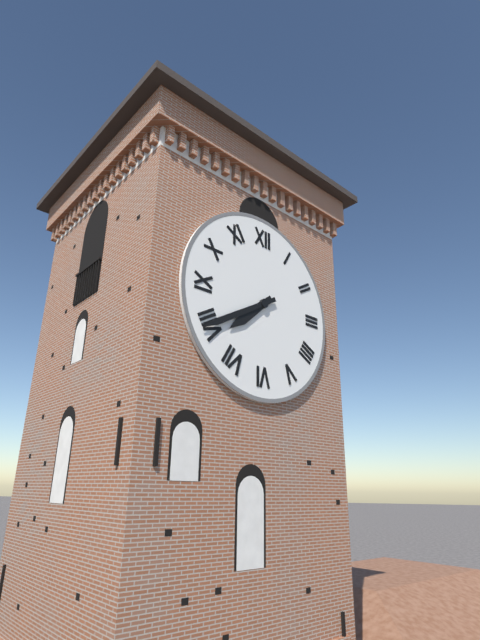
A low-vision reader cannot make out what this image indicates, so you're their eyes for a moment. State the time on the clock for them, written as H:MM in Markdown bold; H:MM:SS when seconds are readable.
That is **7:40**
